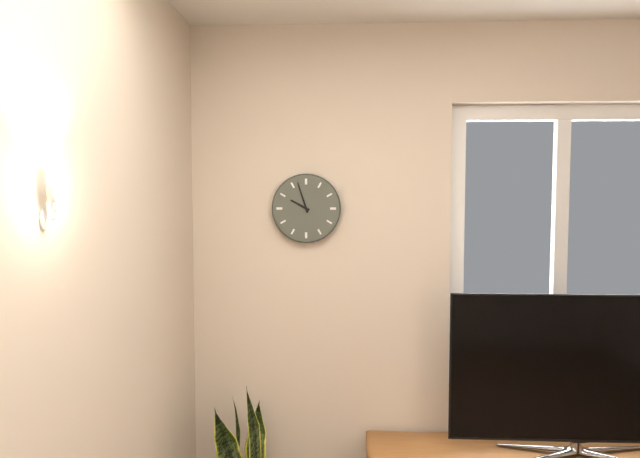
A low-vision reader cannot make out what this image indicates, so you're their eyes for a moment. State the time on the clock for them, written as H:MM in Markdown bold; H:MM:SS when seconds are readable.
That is **9:57**
